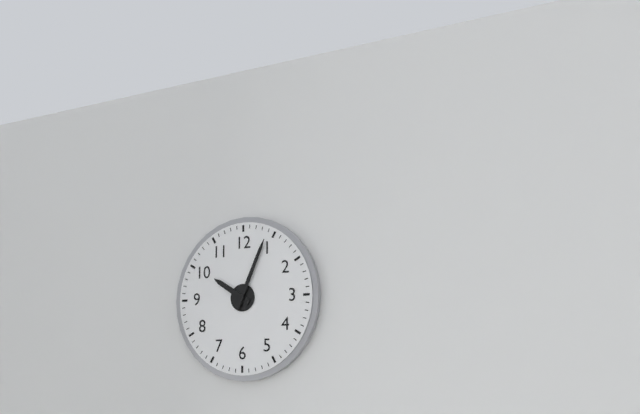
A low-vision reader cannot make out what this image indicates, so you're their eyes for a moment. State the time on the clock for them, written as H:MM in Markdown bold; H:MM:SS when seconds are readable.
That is **10:04**
